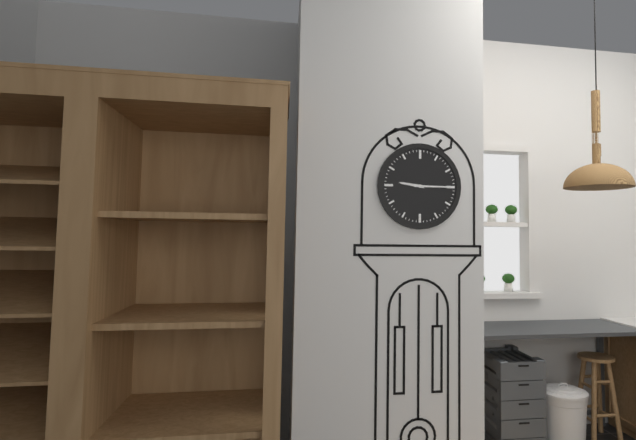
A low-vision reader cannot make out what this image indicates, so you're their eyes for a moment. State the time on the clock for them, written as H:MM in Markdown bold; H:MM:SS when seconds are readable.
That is **9:15**
